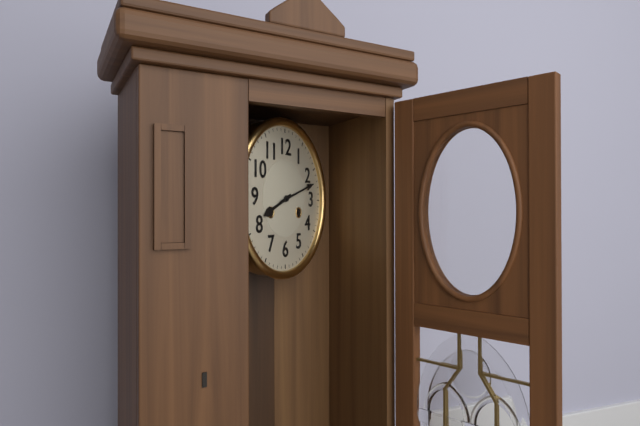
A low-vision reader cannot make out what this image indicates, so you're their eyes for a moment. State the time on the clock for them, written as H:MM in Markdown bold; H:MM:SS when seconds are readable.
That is **8:12**
